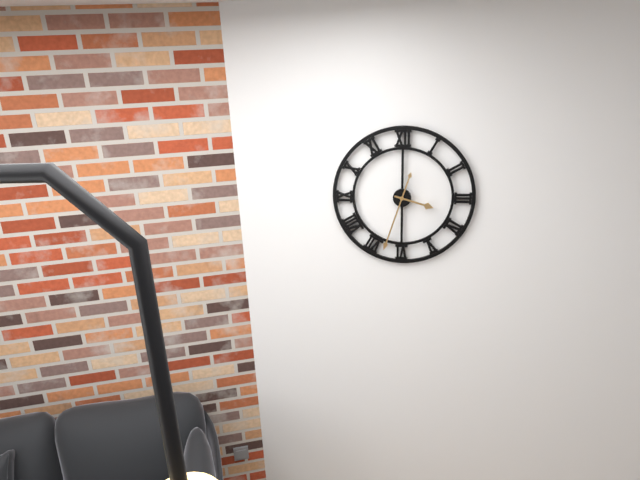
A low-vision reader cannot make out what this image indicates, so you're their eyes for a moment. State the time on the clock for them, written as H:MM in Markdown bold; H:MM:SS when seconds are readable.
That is **3:33**
